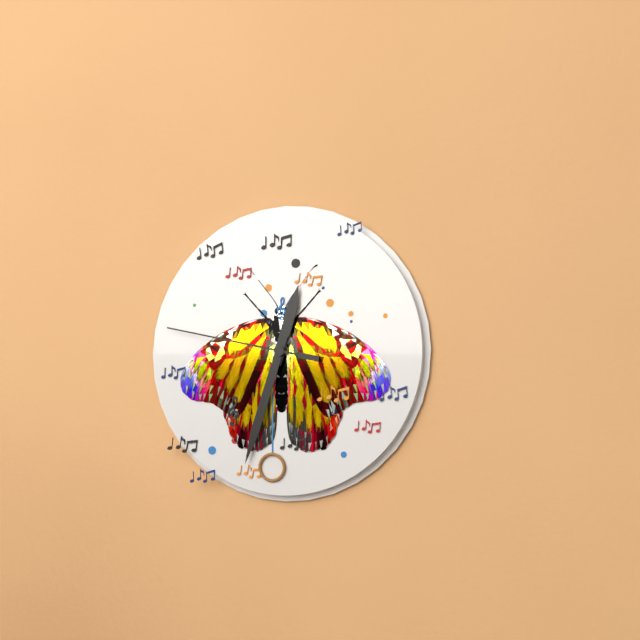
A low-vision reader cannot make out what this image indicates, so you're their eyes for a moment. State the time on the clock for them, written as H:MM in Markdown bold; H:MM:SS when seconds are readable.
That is **12:33:47**
